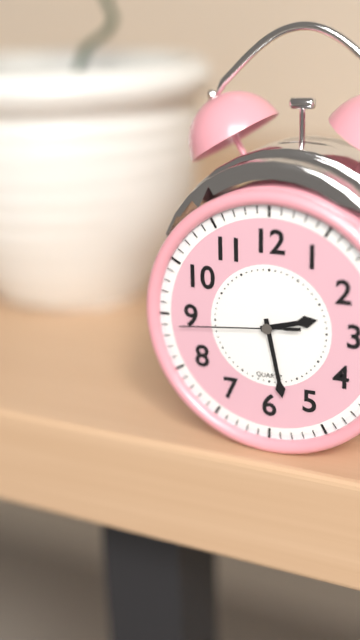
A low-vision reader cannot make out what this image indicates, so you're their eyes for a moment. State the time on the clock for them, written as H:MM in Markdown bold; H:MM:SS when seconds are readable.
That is **2:28:44**
